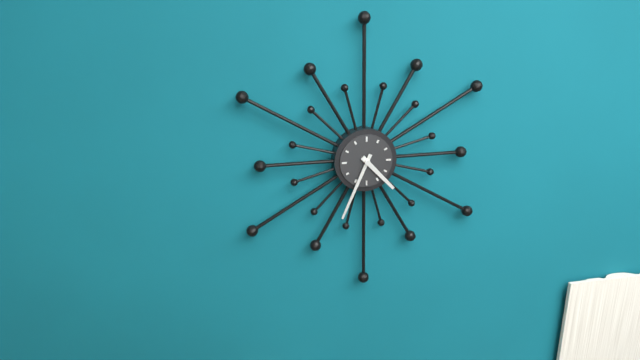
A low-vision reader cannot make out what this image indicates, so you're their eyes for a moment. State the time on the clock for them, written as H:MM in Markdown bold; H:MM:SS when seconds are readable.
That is **4:34**
